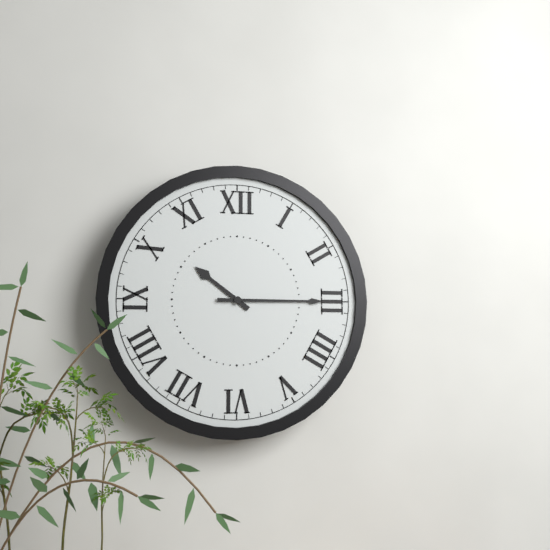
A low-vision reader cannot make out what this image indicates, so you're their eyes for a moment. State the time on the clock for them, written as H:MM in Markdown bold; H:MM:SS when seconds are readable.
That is **10:15**
